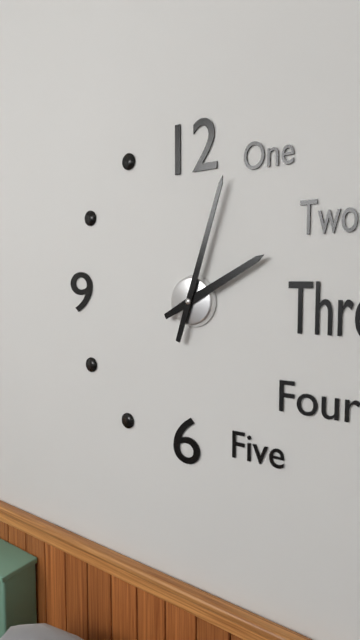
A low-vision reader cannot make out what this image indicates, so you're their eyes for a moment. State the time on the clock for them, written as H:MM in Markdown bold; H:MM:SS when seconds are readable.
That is **2:03**
